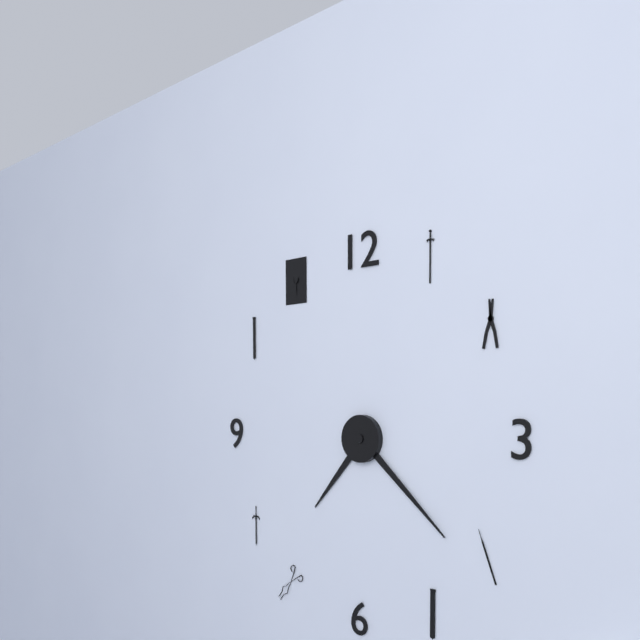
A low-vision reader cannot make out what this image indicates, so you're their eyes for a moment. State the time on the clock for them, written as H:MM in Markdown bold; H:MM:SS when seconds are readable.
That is **7:22**
